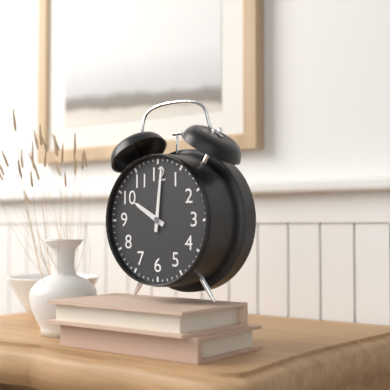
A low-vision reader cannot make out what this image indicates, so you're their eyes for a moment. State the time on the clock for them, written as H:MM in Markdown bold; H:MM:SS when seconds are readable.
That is **10:01**
